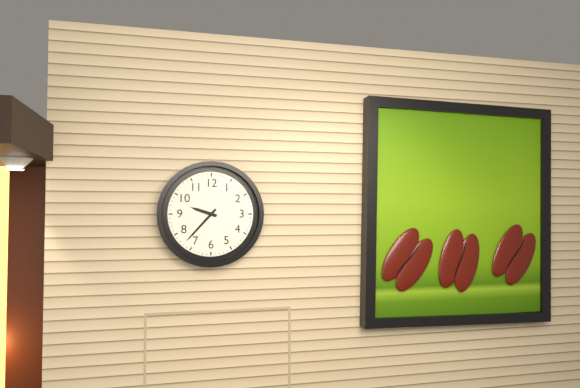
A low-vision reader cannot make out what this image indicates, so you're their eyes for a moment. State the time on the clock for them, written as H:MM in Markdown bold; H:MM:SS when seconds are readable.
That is **9:37**
